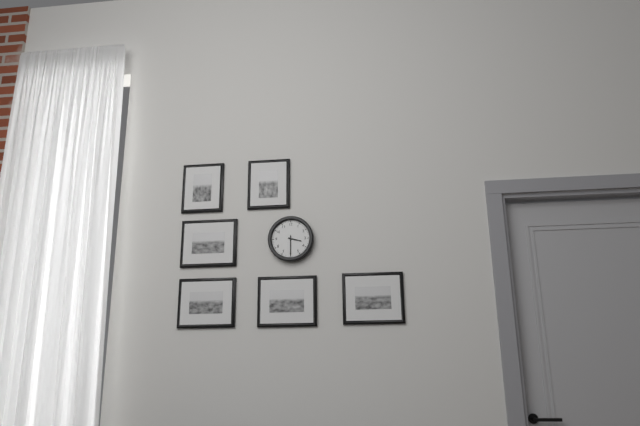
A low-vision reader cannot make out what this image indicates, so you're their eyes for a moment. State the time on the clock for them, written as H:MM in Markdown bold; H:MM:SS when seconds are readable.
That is **3:30**
